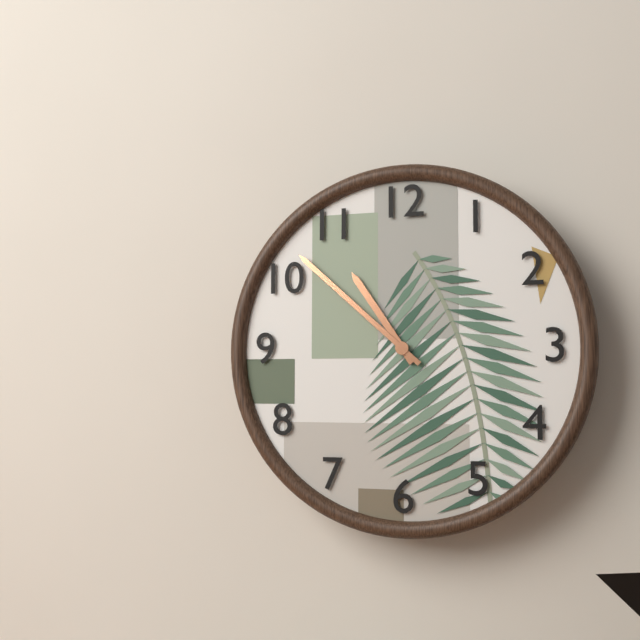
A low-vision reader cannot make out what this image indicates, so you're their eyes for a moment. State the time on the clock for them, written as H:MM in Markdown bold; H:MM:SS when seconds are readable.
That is **10:52**
